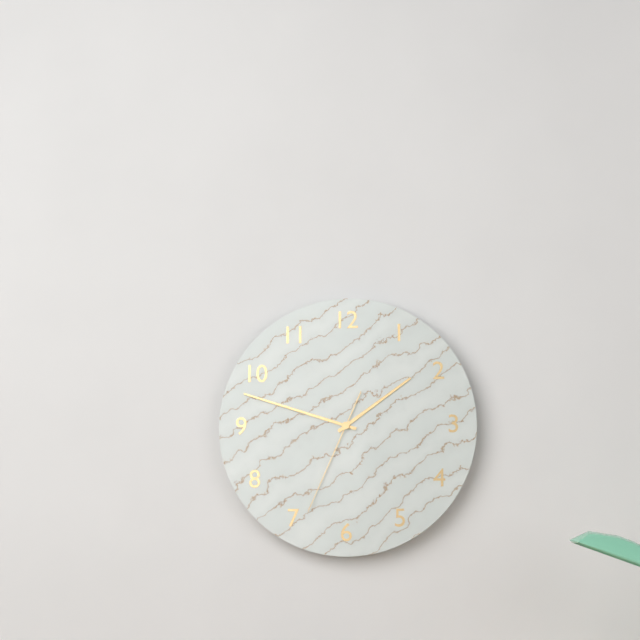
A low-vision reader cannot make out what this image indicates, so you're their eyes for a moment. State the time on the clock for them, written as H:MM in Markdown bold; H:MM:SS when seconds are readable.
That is **1:48:34**
